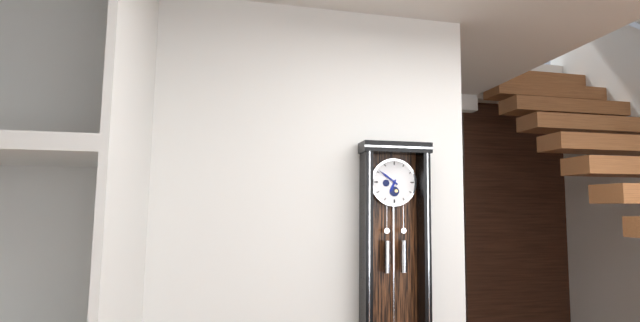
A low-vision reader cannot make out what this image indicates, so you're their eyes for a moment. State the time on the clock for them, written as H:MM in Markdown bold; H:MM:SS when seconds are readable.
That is **6:51**
